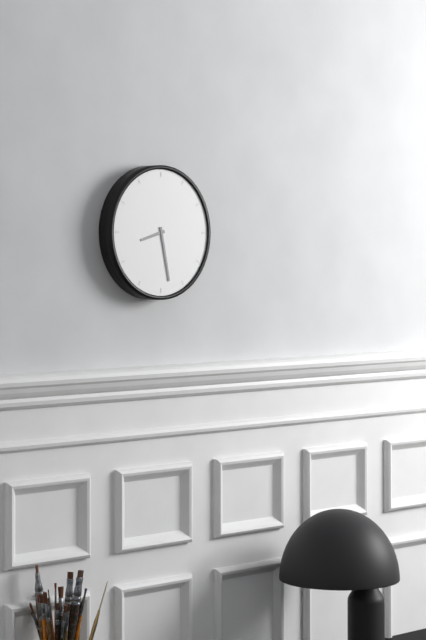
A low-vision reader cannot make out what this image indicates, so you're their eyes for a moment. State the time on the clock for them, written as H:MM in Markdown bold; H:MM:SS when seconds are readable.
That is **8:28**
